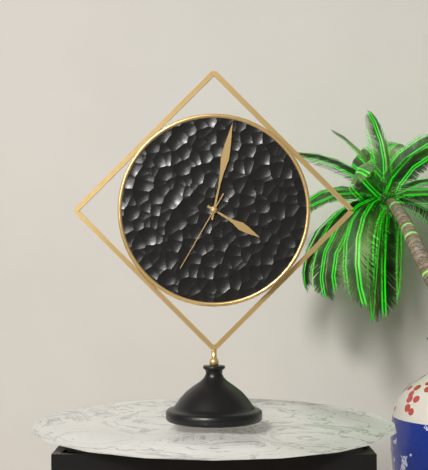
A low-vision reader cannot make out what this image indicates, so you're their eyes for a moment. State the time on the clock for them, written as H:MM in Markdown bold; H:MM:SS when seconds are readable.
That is **4:02:35**
